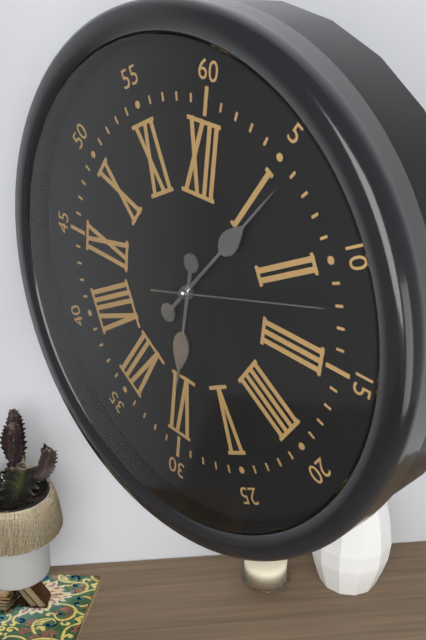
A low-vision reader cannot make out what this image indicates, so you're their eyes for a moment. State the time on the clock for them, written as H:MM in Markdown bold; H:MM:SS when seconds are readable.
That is **6:06:12**
